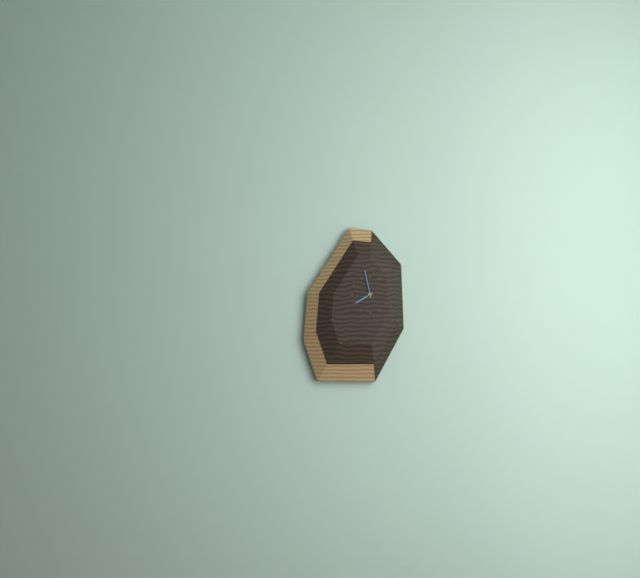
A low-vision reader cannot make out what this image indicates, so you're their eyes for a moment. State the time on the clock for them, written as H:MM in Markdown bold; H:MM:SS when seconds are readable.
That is **7:58**
